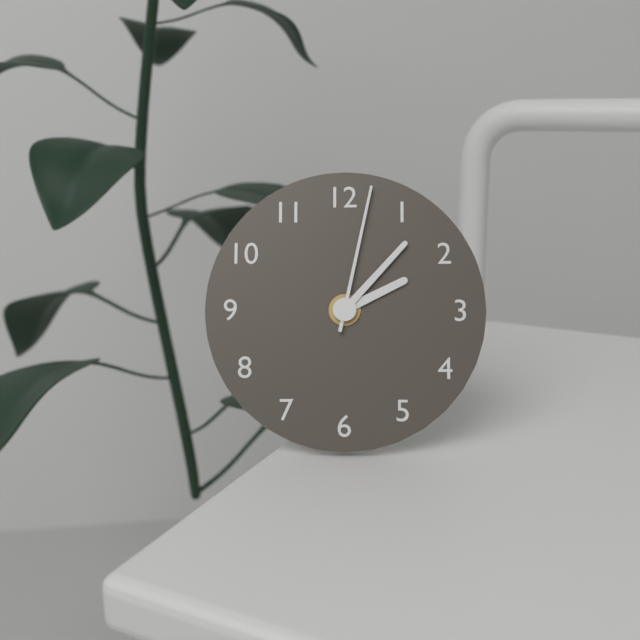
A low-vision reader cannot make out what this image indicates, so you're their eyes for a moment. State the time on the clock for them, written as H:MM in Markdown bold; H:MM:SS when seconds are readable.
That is **2:07:02**
